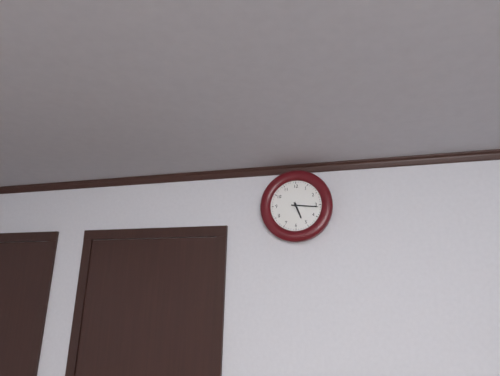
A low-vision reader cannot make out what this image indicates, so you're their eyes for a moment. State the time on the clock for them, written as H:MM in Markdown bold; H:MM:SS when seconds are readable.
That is **5:16**
